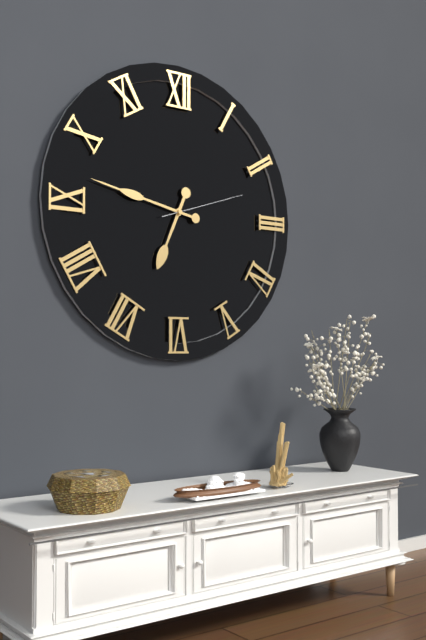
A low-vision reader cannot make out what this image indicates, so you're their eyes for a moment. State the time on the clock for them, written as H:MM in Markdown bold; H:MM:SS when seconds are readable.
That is **6:47:12**
